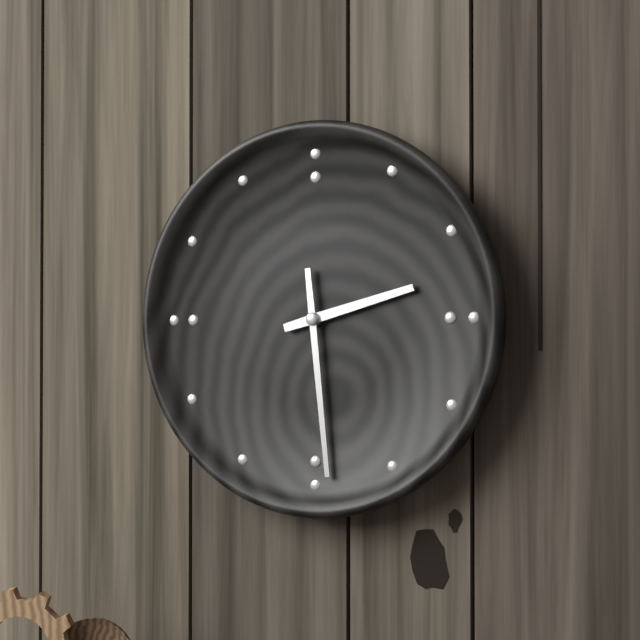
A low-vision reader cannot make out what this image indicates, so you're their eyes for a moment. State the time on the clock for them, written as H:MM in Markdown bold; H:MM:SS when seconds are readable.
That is **2:29**
